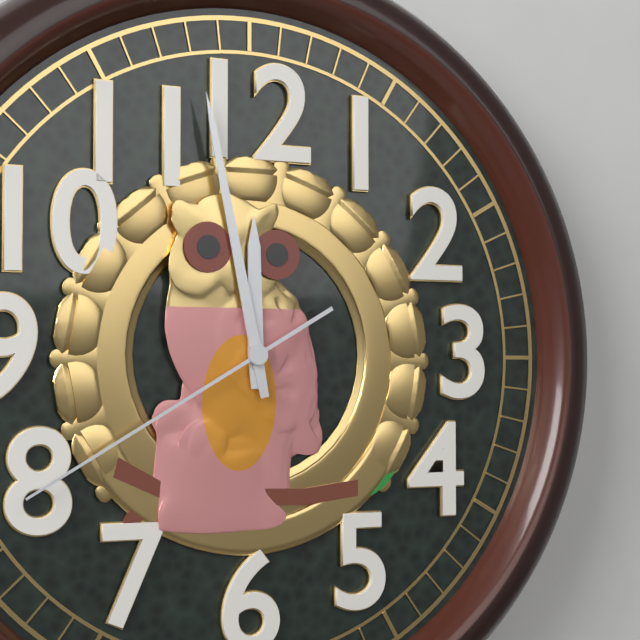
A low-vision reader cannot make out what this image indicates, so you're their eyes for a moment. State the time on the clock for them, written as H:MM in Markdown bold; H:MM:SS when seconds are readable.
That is **11:58:40**
